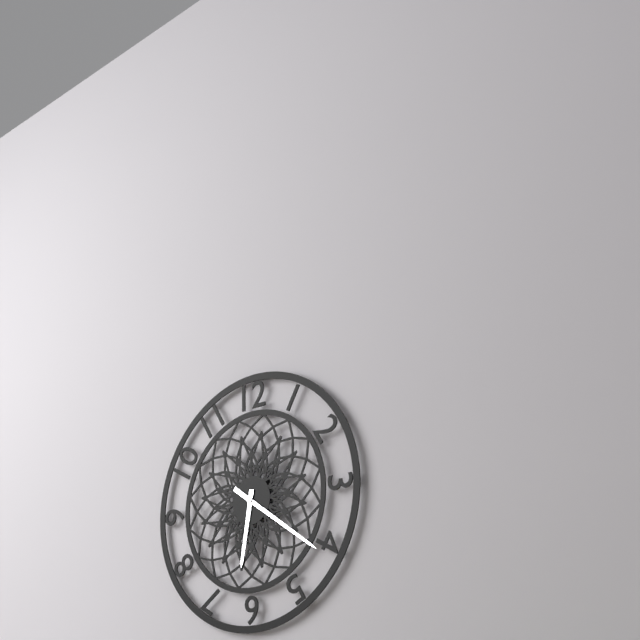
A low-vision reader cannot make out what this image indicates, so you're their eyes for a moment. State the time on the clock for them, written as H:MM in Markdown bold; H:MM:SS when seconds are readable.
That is **6:21**
